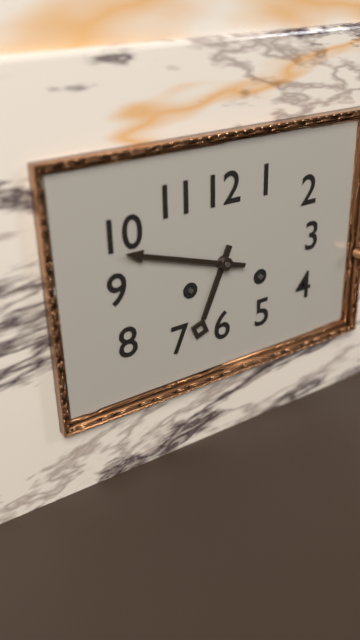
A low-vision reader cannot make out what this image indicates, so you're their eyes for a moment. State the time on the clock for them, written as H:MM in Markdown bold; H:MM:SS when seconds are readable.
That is **6:48**
